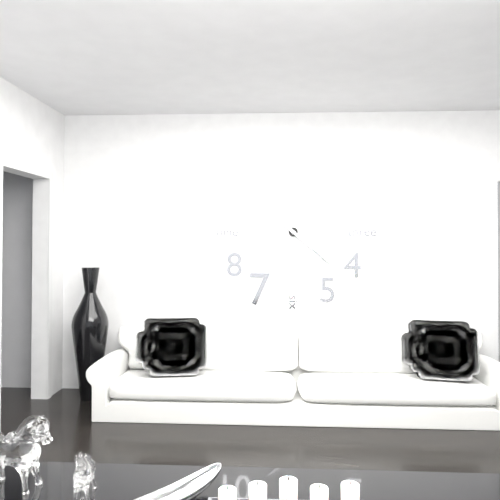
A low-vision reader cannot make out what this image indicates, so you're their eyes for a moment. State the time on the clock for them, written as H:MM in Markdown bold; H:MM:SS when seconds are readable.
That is **10:22**
